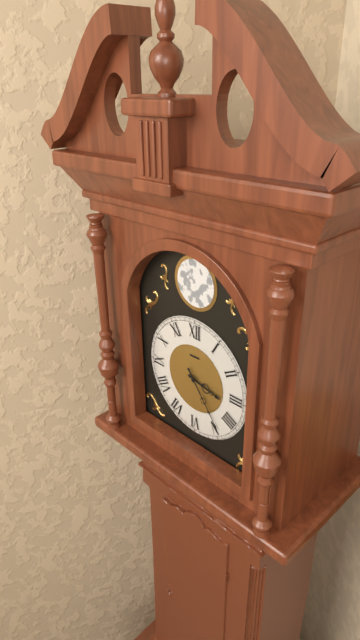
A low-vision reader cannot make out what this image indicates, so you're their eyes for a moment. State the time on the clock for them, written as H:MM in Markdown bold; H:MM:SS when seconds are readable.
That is **3:24**
